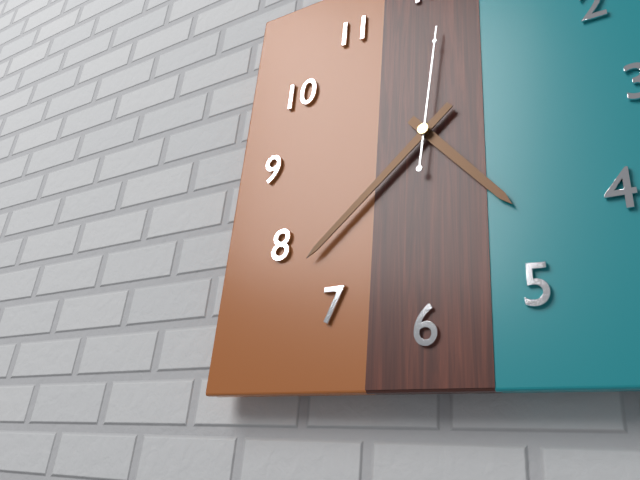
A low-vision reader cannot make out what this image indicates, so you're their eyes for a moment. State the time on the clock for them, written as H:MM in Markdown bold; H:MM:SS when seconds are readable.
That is **4:38:01**
